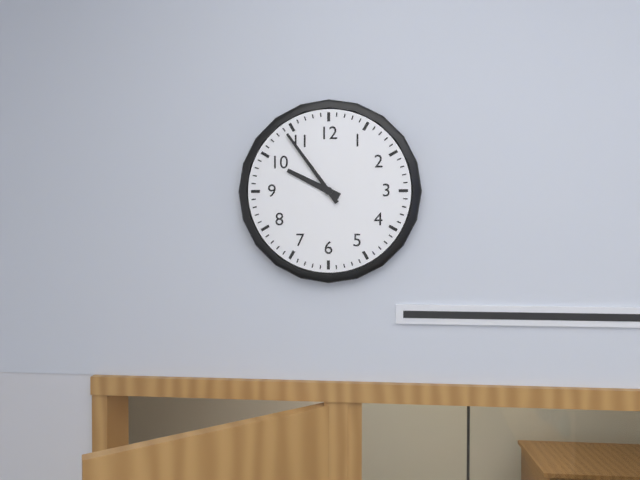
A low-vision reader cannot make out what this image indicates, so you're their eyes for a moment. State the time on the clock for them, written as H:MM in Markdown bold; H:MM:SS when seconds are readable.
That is **9:54**
